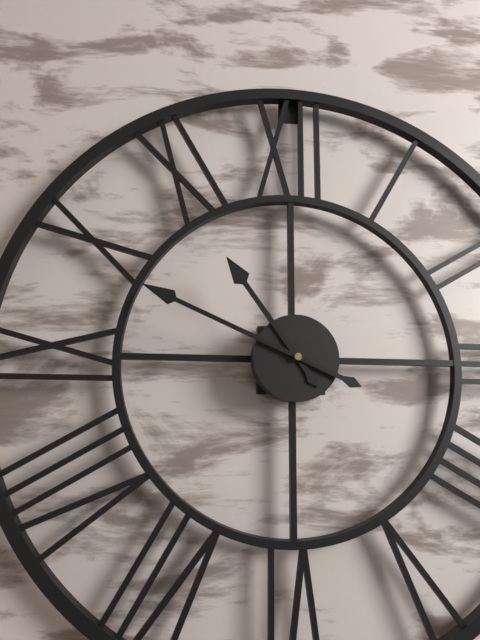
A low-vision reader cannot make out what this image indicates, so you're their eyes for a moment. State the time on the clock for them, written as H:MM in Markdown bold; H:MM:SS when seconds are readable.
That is **10:49**
